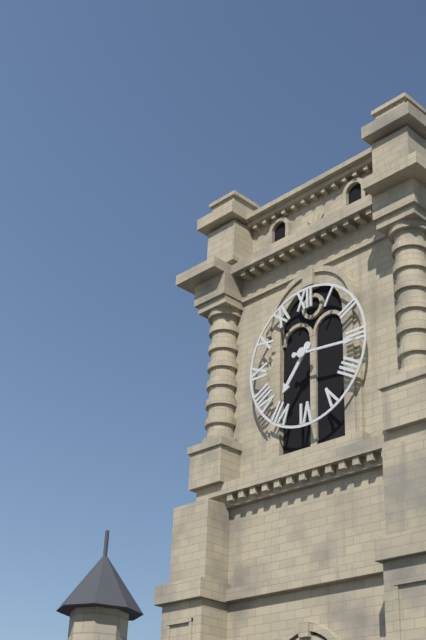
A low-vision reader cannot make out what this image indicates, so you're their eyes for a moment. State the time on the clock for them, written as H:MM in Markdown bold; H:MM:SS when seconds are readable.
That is **7:16**
